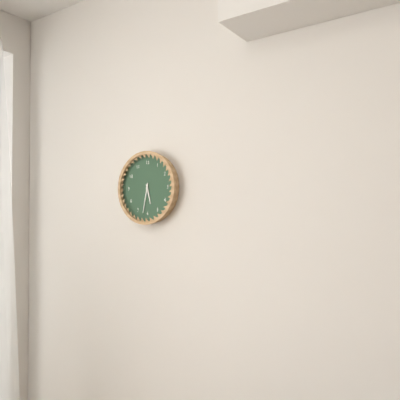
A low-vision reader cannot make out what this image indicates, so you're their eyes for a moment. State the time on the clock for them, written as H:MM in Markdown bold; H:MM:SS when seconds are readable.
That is **5:32**
